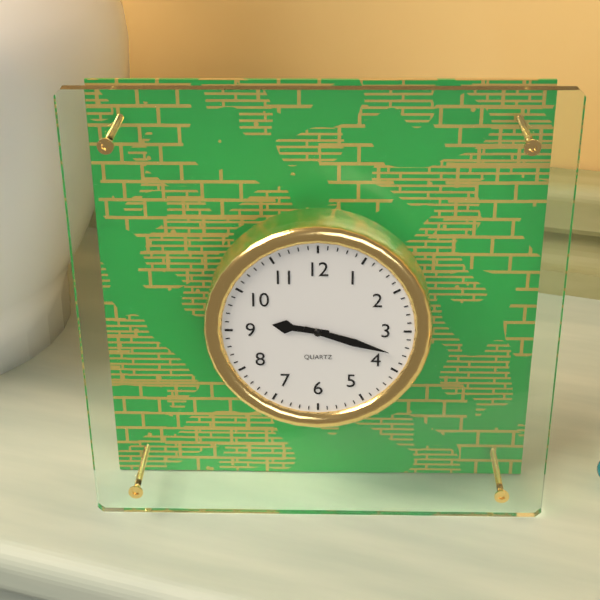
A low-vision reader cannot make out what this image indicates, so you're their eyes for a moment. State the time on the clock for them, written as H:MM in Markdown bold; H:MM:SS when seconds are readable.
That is **9:18**
